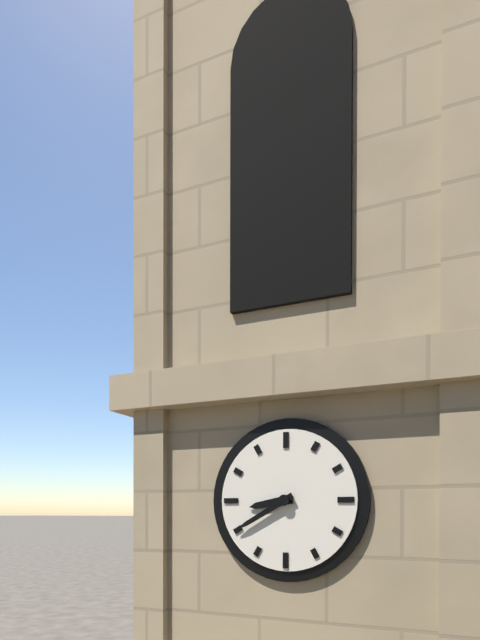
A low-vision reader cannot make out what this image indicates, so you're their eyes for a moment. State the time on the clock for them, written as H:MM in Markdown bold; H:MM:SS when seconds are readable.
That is **8:40**
